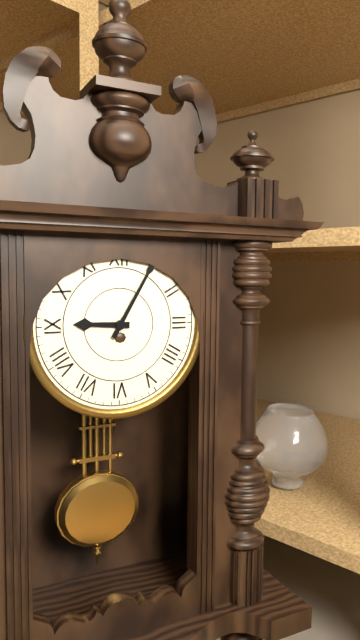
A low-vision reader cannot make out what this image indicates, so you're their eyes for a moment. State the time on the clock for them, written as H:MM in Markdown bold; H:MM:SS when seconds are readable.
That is **9:05**
